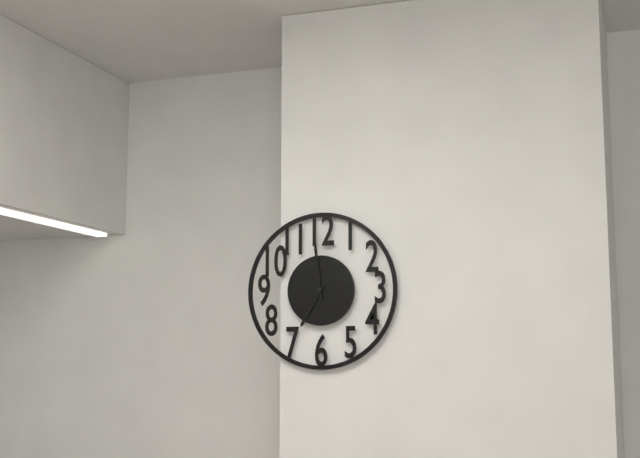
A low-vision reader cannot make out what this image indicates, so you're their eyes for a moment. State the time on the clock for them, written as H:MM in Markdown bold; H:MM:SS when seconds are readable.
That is **6:59**
